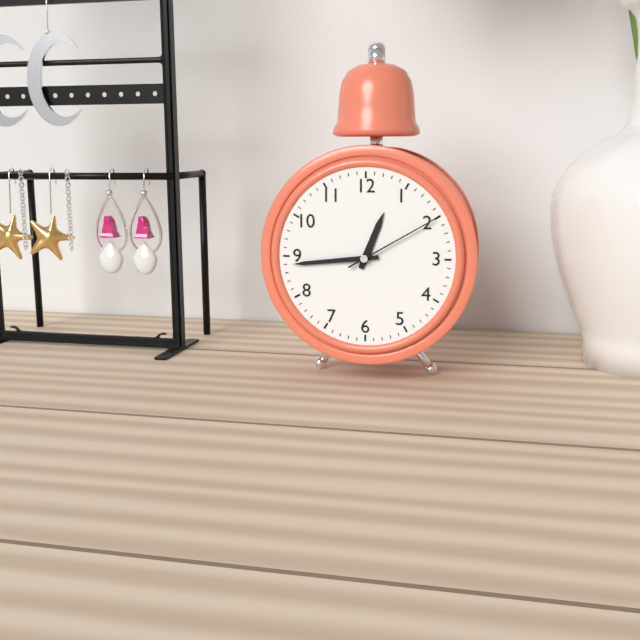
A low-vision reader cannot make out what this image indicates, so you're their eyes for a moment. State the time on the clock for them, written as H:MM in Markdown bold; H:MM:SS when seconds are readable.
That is **12:44:10**
